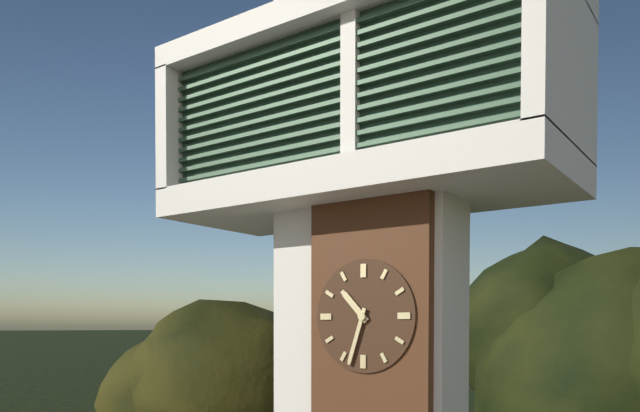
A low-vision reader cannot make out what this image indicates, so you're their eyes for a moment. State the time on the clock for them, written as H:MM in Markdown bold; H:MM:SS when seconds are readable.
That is **10:33**
